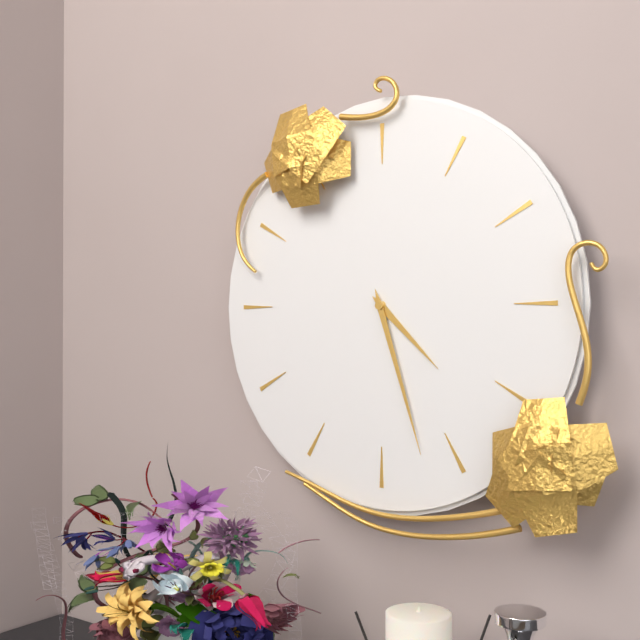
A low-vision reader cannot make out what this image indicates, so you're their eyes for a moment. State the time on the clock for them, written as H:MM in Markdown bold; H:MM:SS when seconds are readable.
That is **4:27**
